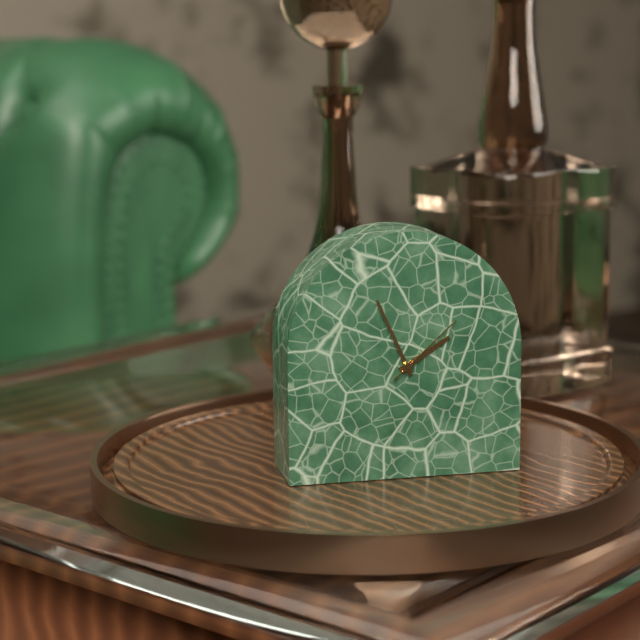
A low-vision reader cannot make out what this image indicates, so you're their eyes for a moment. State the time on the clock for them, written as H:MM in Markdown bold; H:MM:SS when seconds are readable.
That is **1:56:08**
